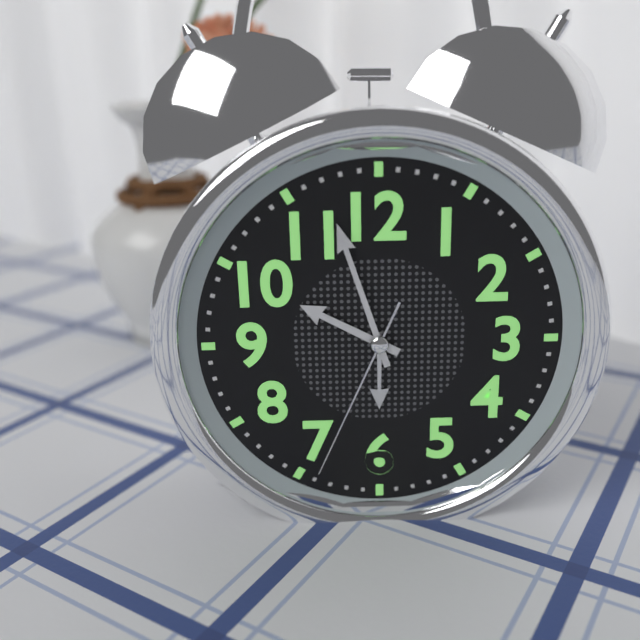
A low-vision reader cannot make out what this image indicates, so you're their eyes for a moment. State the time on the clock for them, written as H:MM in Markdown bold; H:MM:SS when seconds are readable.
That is **9:57:34**
